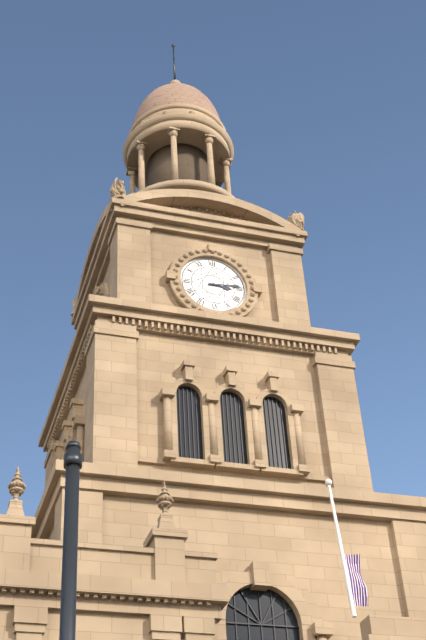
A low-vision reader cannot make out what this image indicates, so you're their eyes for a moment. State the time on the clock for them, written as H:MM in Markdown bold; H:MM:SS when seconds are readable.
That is **3:14**
